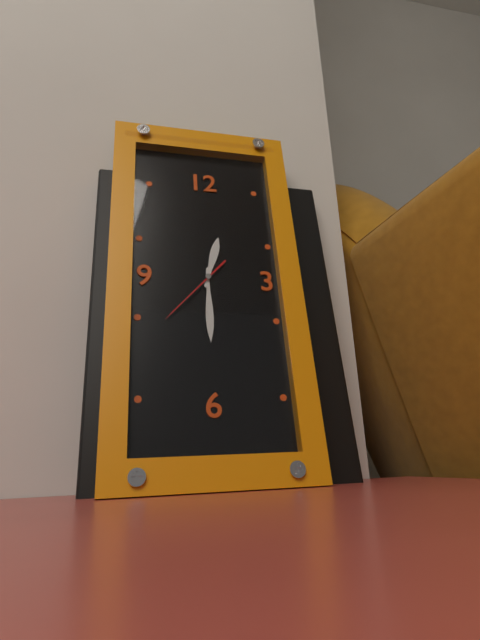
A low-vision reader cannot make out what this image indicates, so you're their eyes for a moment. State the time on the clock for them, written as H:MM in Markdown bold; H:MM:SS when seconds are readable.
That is **12:30:37**
